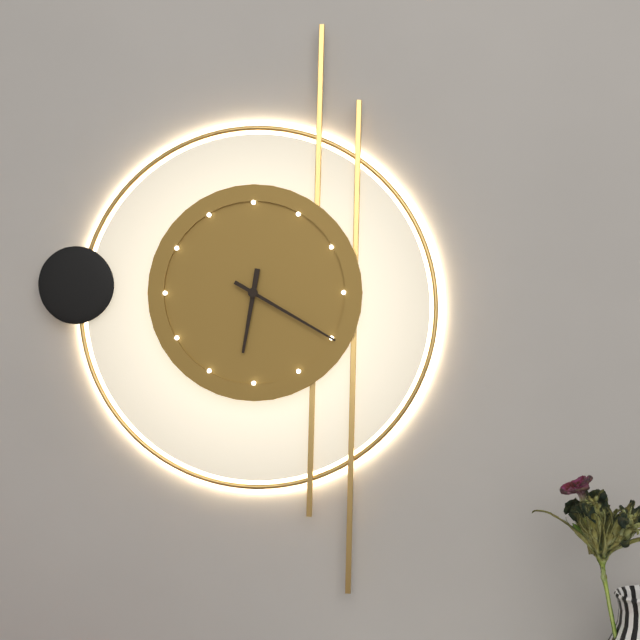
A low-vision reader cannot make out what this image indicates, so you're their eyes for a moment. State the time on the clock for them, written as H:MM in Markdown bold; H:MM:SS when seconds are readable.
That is **6:20**
